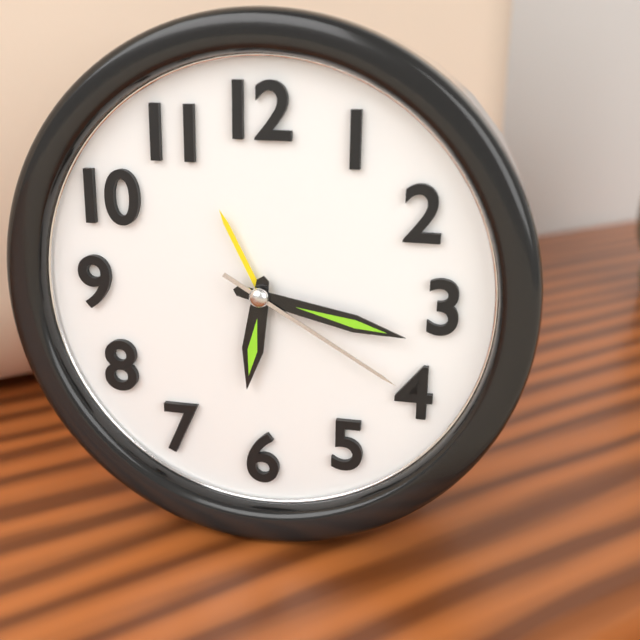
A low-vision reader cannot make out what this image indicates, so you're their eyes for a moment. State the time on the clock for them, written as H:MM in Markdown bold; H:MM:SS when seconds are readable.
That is **6:17:20**
